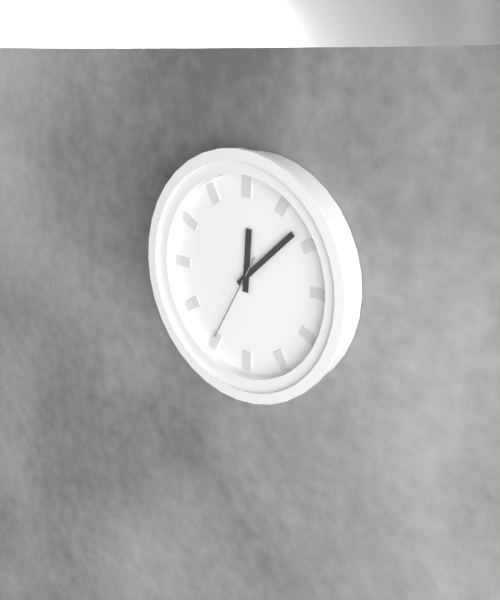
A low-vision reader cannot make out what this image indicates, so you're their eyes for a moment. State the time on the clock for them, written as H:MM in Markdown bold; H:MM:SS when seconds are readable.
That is **12:08:35**
